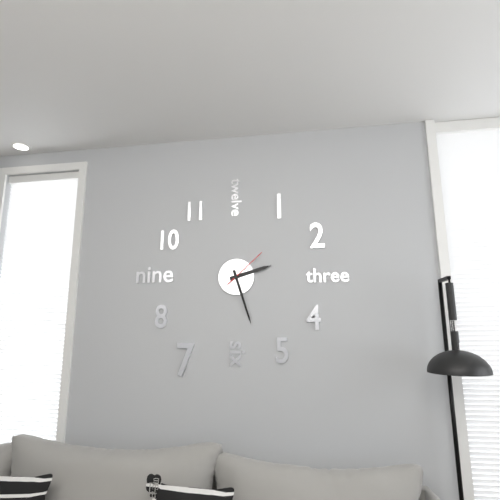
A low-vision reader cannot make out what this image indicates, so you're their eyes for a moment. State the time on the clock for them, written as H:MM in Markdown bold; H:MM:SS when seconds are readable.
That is **2:27**
